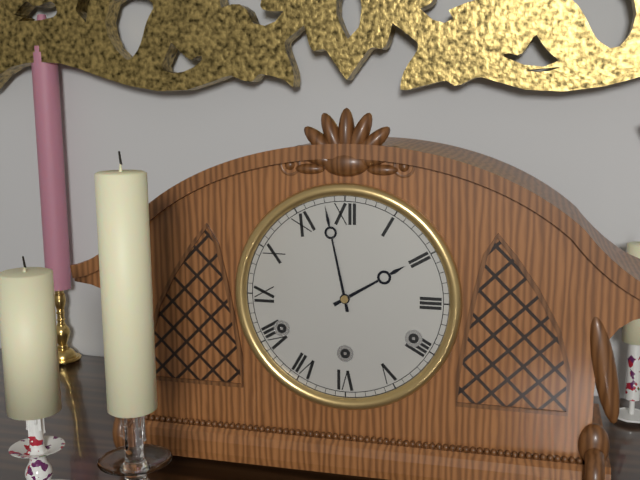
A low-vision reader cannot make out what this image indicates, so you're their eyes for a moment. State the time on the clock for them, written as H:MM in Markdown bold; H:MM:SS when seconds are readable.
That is **1:58**
